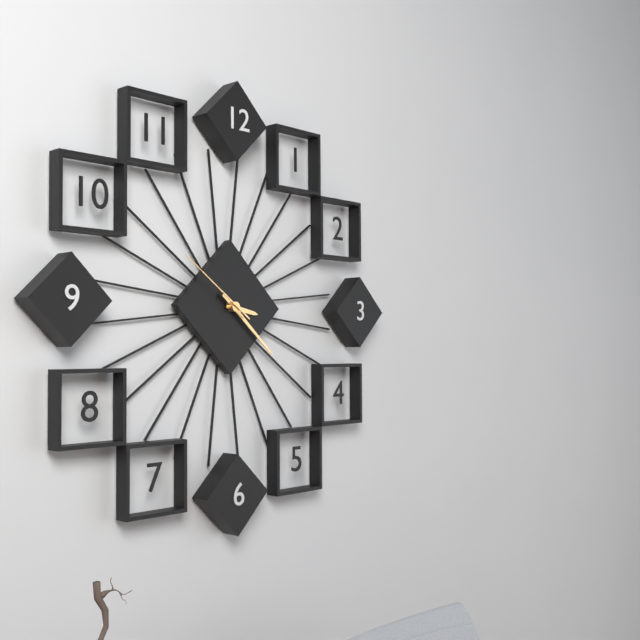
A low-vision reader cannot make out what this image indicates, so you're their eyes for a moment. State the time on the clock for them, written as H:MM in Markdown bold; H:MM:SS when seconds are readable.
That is **3:22:51**
